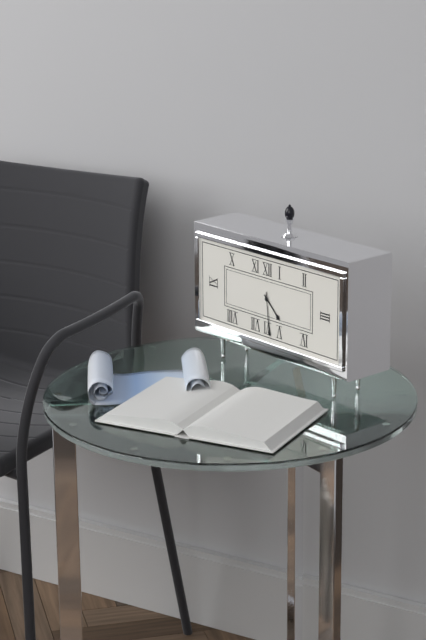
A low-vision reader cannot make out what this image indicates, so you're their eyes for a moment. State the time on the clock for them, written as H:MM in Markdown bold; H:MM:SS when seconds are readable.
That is **4:29**
